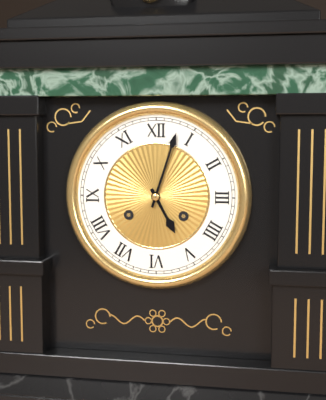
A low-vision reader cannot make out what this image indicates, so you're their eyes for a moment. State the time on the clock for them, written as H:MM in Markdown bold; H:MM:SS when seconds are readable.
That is **5:03**
